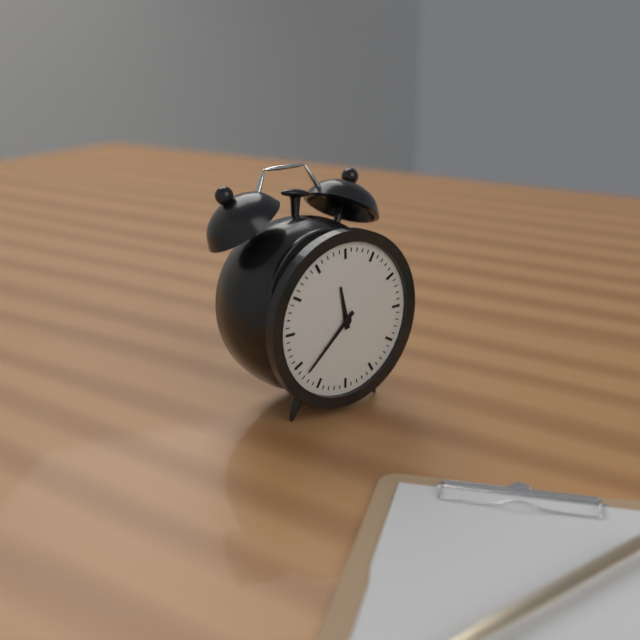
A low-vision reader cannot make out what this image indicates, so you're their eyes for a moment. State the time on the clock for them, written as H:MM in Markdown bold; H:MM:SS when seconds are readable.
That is **11:38**
